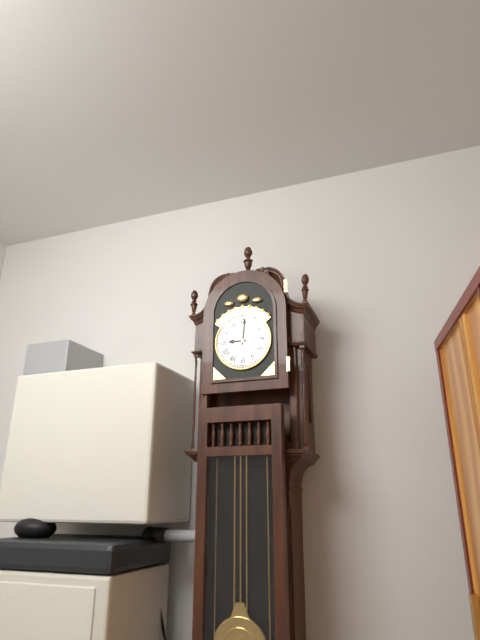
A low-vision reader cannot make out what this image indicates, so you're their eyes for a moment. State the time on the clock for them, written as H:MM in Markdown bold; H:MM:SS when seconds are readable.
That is **9:01**
